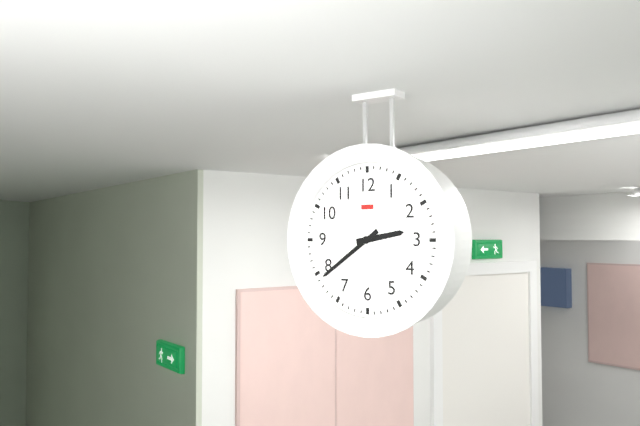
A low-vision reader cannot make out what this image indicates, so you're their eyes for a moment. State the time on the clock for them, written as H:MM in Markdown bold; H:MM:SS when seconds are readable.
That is **2:39**
